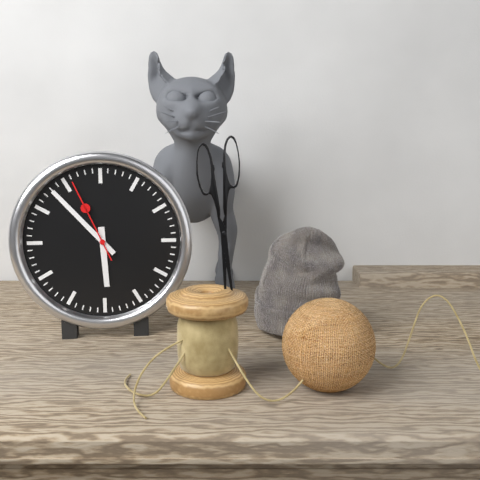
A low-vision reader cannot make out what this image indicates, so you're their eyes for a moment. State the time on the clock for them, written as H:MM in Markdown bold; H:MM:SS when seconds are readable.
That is **5:53:56**
